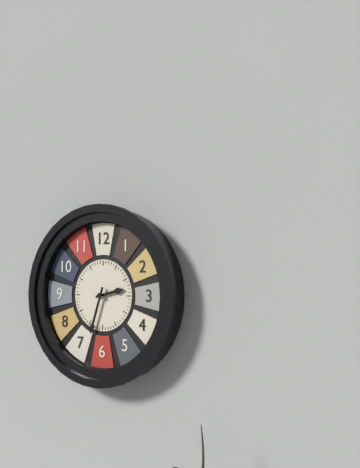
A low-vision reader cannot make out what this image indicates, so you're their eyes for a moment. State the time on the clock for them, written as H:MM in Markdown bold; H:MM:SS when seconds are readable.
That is **2:33**
